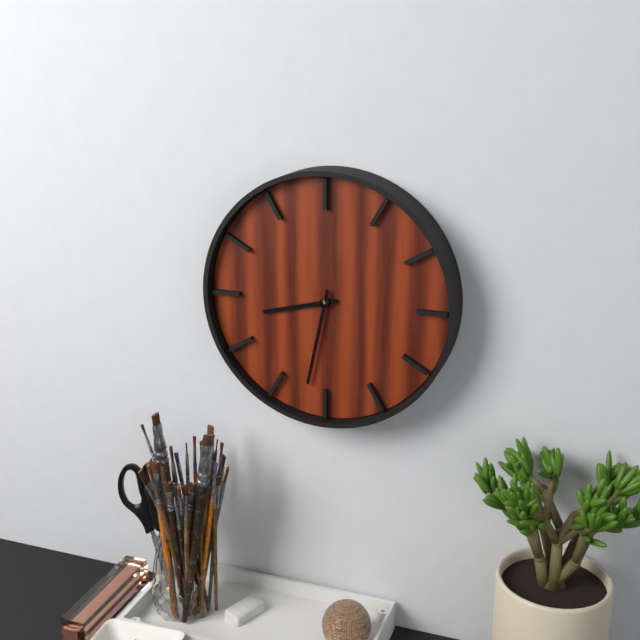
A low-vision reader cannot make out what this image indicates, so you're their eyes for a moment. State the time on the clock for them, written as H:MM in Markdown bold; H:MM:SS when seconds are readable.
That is **8:32**
